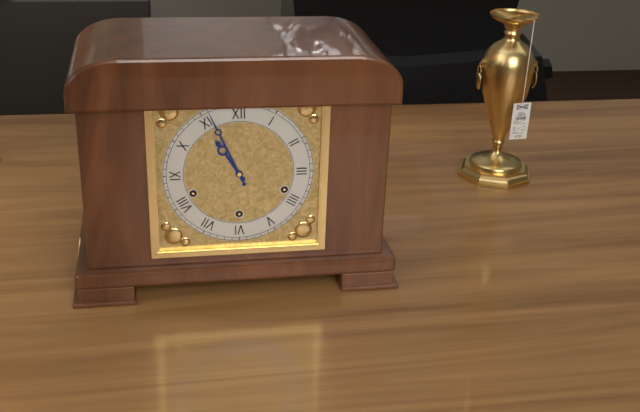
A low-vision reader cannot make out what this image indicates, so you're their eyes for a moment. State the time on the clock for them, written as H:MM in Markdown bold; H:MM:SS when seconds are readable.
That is **10:56**
